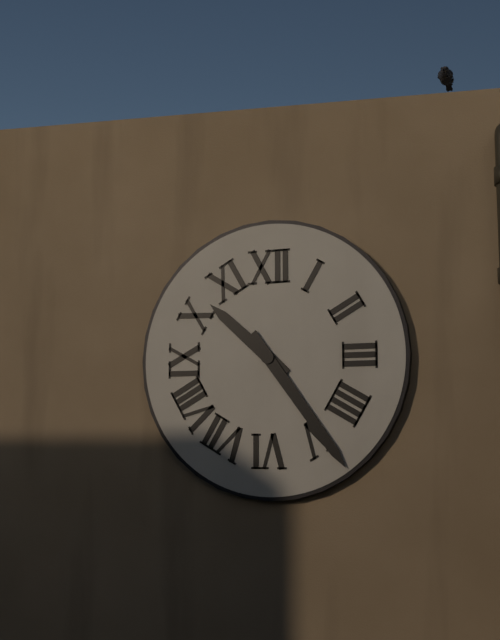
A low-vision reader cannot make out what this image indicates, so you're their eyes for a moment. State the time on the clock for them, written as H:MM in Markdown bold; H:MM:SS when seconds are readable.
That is **10:24**
